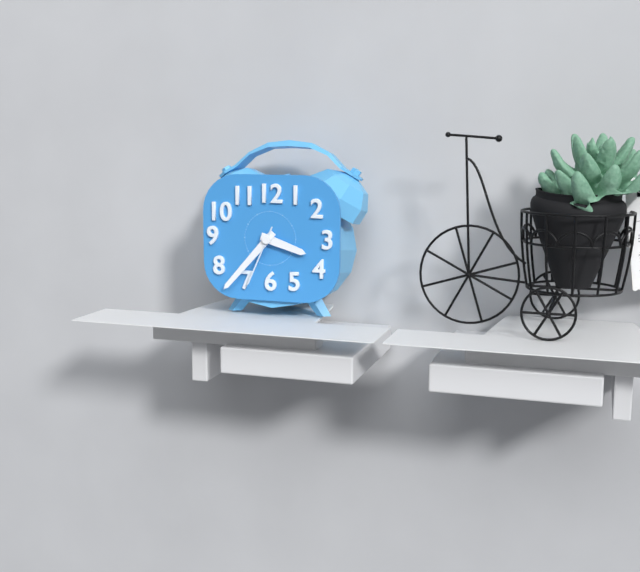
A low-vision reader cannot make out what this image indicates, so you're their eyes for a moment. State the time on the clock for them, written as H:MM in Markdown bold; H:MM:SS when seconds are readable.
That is **3:37:34**
